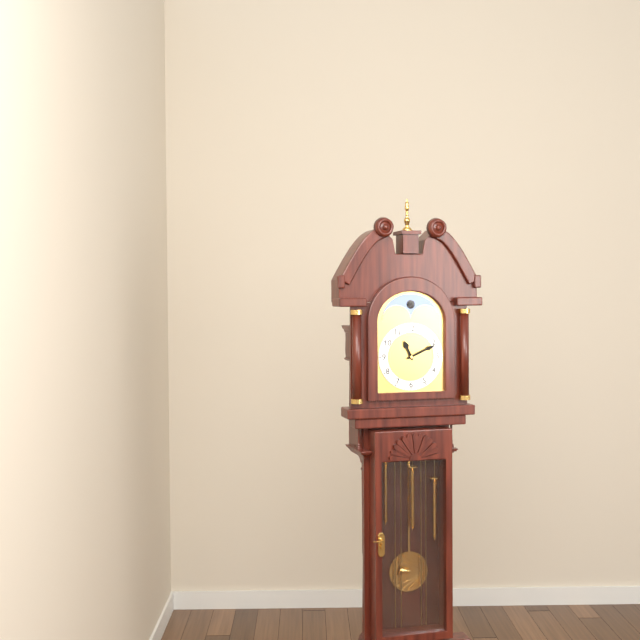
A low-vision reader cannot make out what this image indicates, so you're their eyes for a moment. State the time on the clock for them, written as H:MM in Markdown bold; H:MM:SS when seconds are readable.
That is **11:11**
